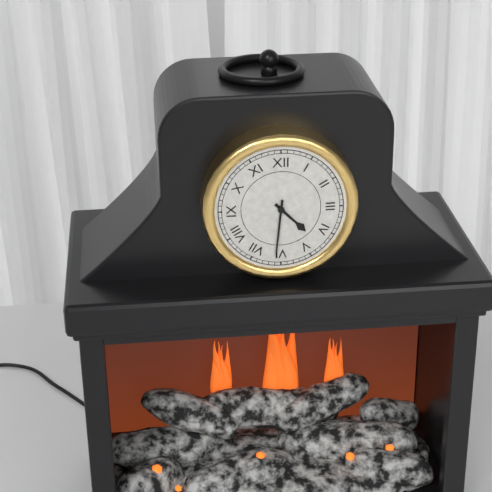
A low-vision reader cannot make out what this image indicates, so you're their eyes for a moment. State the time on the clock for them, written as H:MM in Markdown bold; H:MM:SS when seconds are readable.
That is **4:31**
